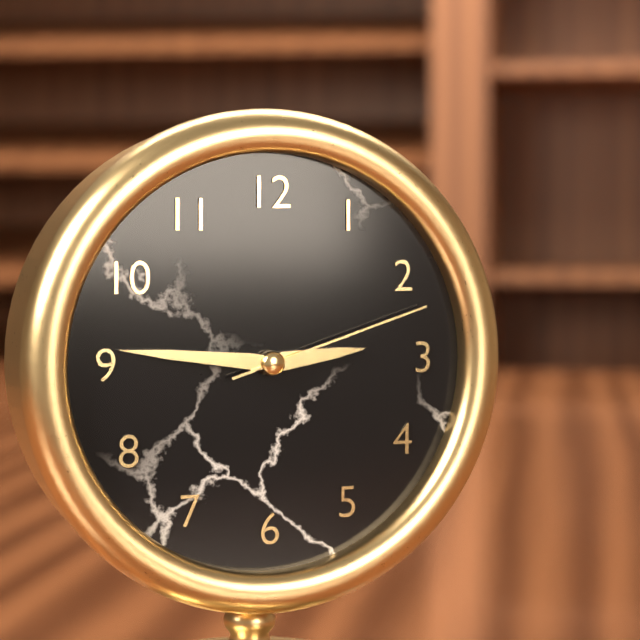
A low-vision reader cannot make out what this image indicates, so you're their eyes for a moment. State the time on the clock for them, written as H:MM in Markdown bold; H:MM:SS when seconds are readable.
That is **2:46:12**
